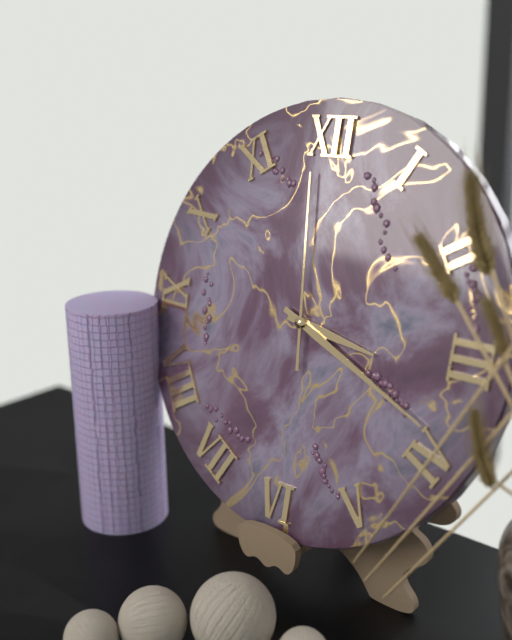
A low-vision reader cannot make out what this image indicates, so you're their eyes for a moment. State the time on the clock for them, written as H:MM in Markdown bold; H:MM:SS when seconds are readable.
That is **3:19:59**
